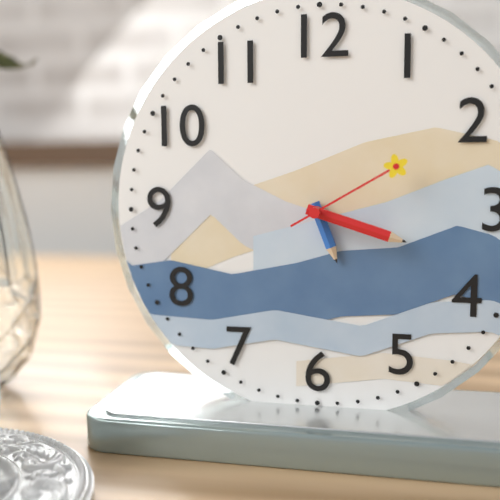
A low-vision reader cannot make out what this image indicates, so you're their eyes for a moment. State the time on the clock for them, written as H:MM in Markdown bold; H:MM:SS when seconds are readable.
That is **5:18:10**
